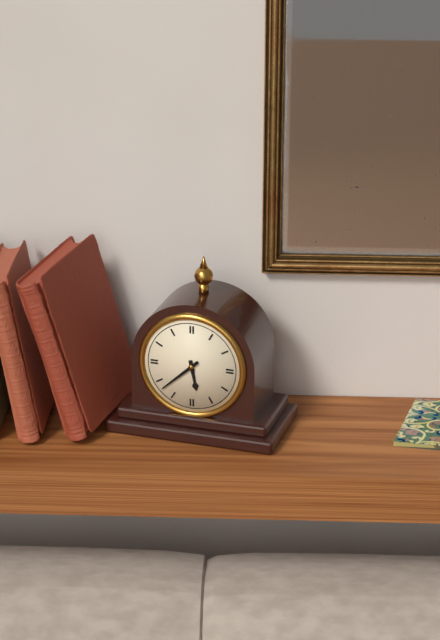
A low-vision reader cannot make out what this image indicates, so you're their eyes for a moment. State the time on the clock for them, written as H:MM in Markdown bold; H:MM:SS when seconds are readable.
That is **5:38**
